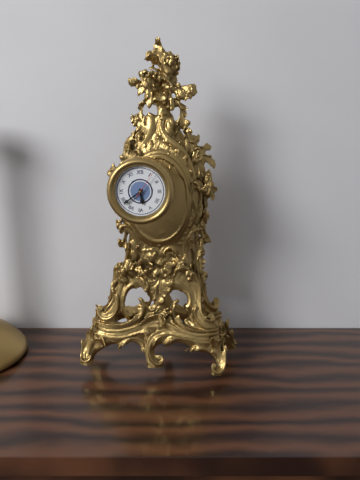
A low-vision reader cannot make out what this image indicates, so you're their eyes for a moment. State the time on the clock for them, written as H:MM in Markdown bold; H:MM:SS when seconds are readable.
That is **5:39**
